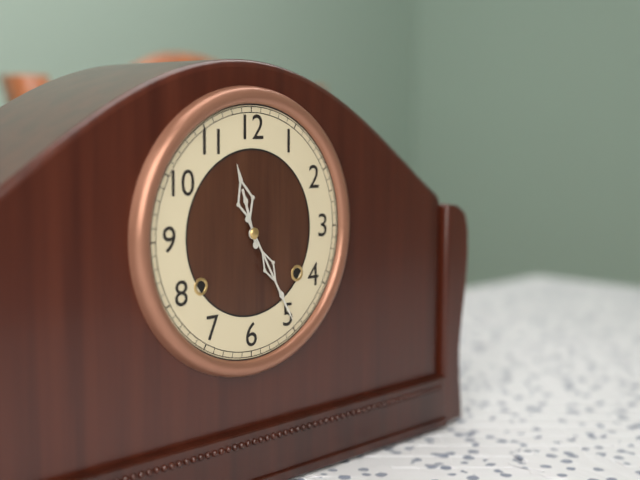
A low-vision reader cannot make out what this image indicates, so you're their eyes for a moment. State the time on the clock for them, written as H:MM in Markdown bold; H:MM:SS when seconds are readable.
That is **11:25**
